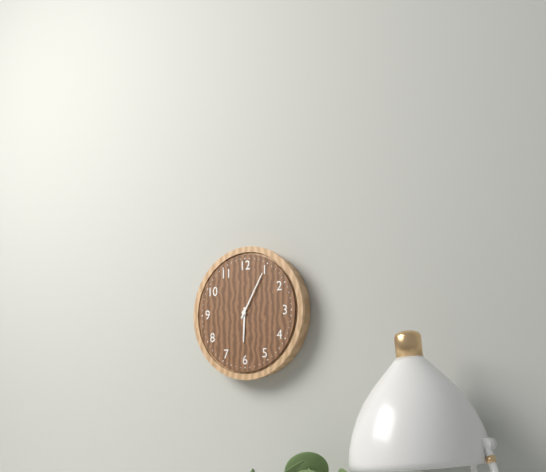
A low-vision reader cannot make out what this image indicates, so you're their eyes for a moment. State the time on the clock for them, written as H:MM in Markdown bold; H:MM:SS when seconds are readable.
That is **6:05**
